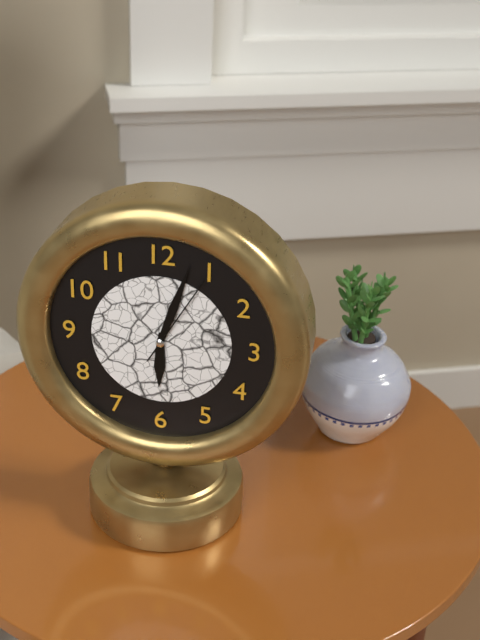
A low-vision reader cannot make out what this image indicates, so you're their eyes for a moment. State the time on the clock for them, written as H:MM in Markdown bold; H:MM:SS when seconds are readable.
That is **6:03:05**
